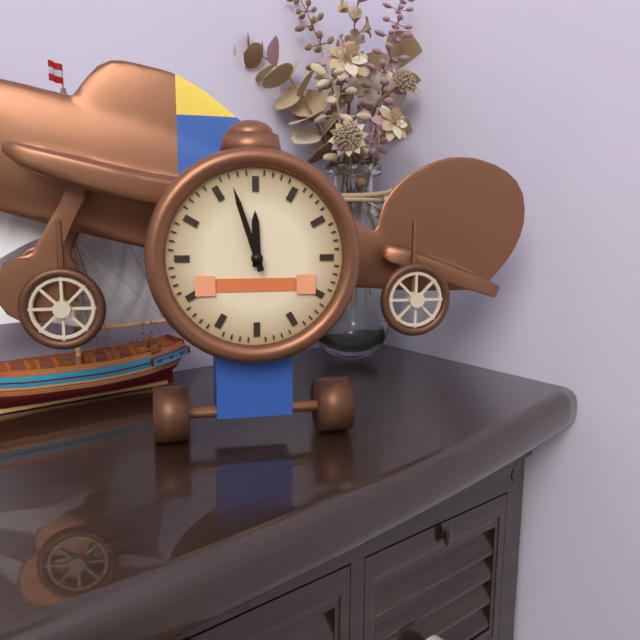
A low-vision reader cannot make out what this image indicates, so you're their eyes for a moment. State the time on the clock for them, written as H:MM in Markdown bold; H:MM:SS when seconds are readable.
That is **11:57**
